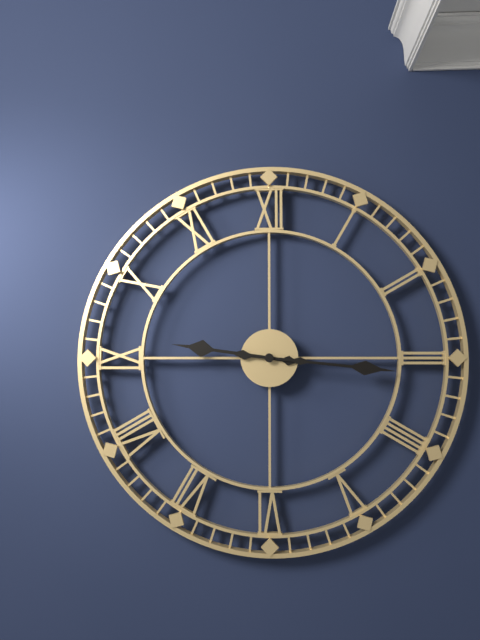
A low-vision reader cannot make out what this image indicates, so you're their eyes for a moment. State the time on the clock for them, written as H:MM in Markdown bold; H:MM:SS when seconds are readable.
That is **9:16**
